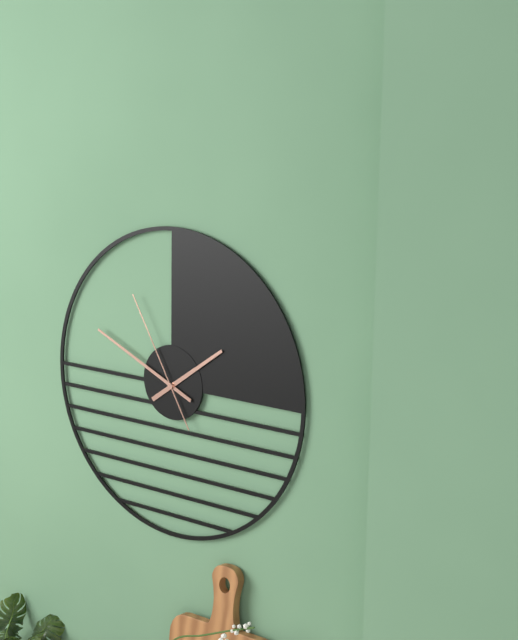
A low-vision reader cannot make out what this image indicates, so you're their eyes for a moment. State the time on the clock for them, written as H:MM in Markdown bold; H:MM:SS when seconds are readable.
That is **1:49:55**
